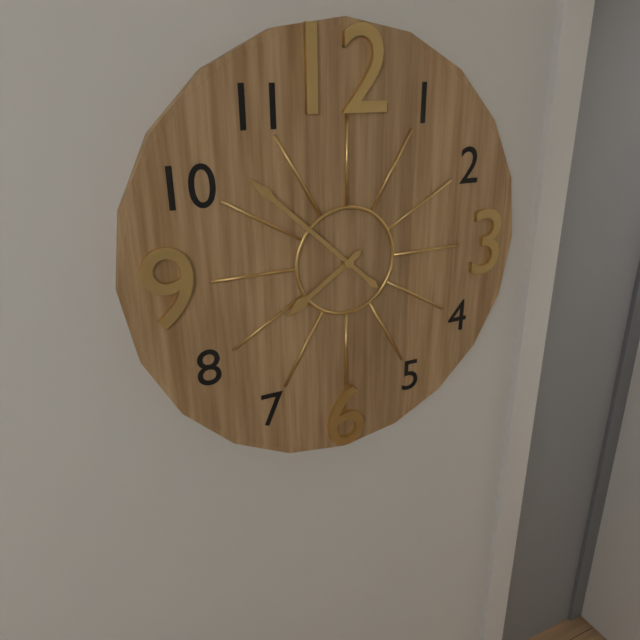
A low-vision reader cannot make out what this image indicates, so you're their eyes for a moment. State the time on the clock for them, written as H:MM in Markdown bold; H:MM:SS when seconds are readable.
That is **7:52**
